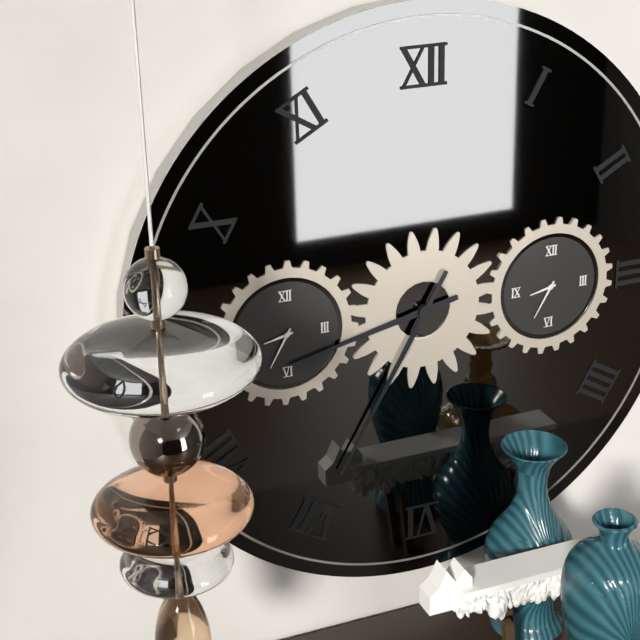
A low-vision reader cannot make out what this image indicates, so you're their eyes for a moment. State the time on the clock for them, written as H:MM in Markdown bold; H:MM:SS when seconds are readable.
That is **8:35**
